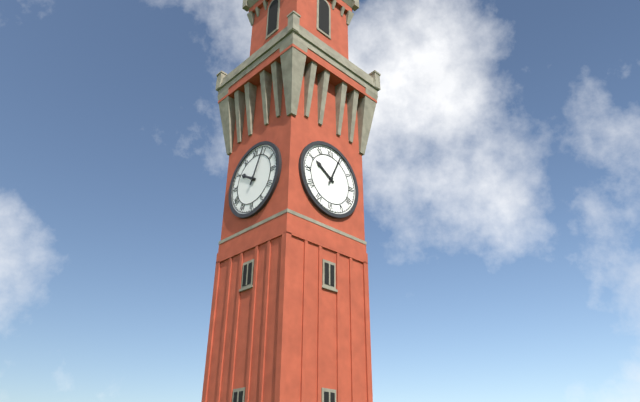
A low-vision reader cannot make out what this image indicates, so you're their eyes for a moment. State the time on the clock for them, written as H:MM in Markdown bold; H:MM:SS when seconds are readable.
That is **10:04**
